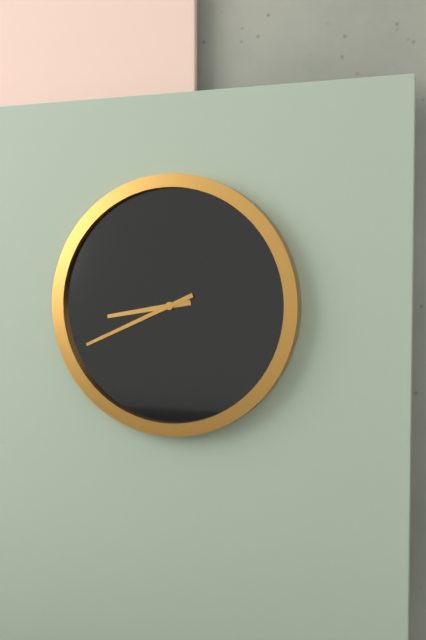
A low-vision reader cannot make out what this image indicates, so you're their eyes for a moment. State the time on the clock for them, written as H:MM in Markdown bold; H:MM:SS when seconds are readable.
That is **8:41**
